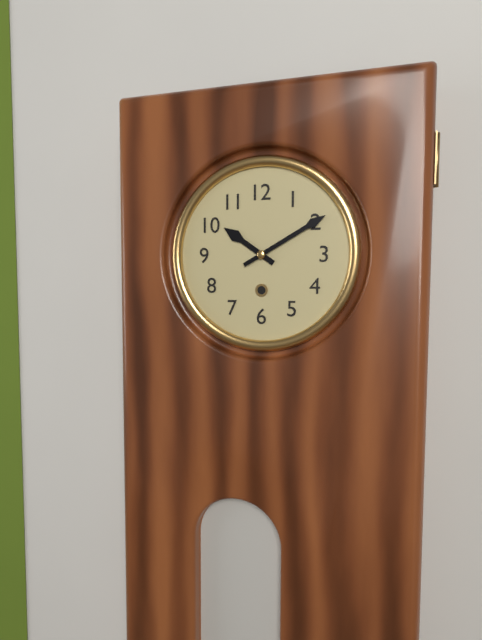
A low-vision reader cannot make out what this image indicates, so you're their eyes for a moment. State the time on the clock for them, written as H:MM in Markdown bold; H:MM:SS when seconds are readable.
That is **10:10**
